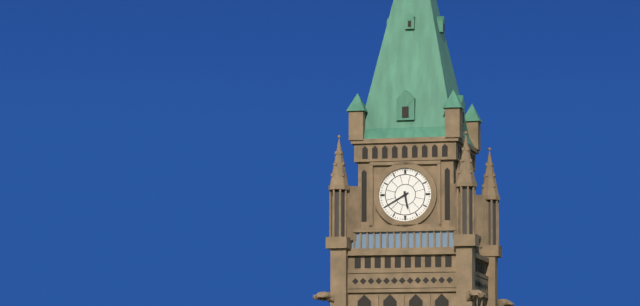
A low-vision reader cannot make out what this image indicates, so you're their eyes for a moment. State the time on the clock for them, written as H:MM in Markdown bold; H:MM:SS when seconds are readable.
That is **5:40**
